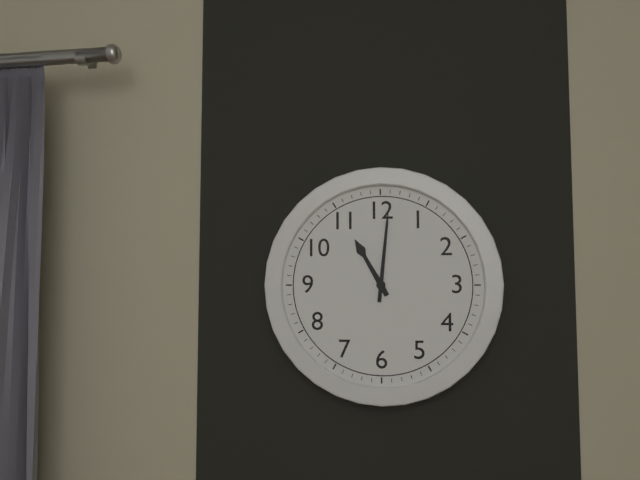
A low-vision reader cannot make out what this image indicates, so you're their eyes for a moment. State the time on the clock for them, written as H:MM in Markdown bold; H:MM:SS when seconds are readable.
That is **11:01**
